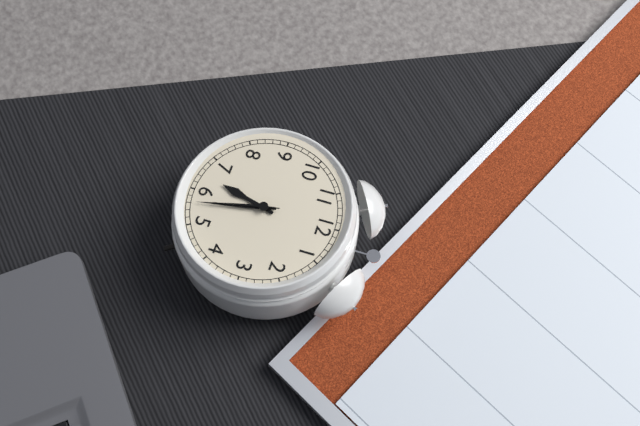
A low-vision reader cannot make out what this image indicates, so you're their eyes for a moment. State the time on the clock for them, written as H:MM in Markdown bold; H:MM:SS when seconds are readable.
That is **6:28:28**
